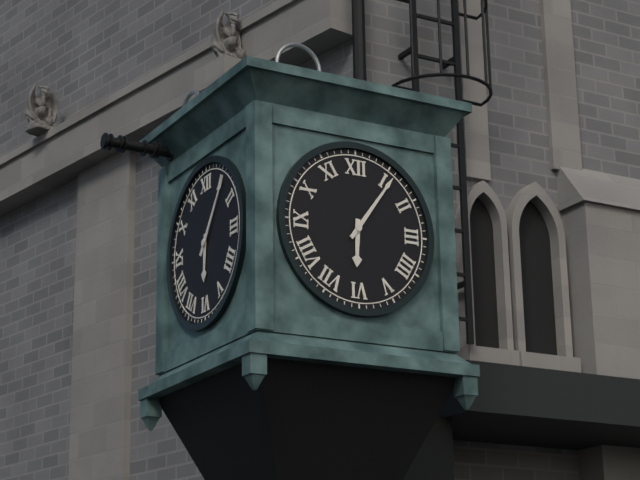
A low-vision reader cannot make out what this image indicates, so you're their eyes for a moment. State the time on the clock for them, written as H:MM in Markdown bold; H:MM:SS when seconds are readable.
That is **6:06**
